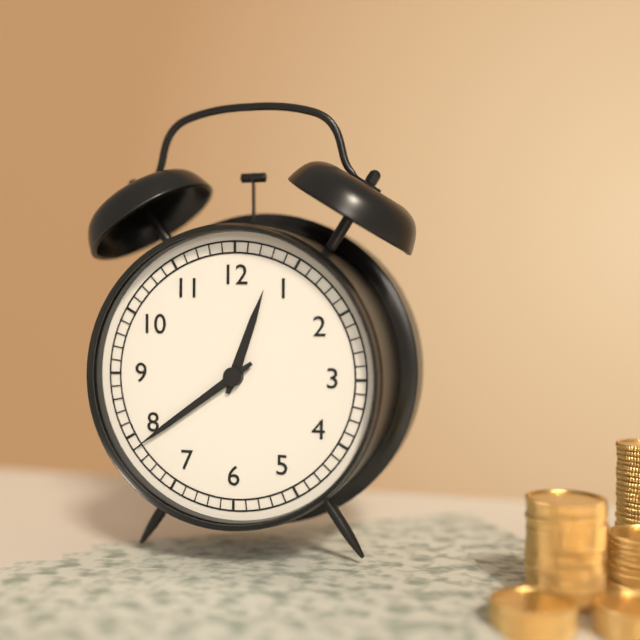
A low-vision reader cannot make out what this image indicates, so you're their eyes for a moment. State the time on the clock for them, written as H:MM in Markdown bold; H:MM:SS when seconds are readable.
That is **12:39**
